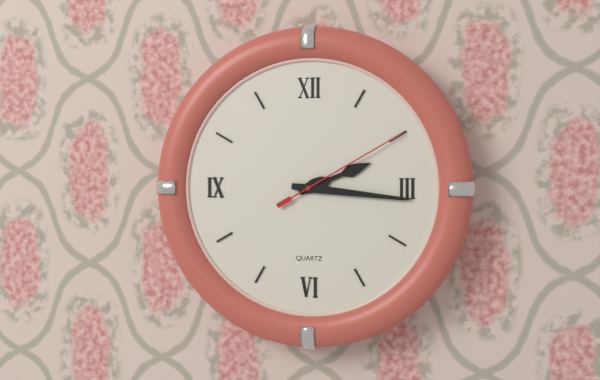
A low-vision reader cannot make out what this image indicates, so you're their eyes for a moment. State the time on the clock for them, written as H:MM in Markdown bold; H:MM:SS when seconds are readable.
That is **2:16:10**
